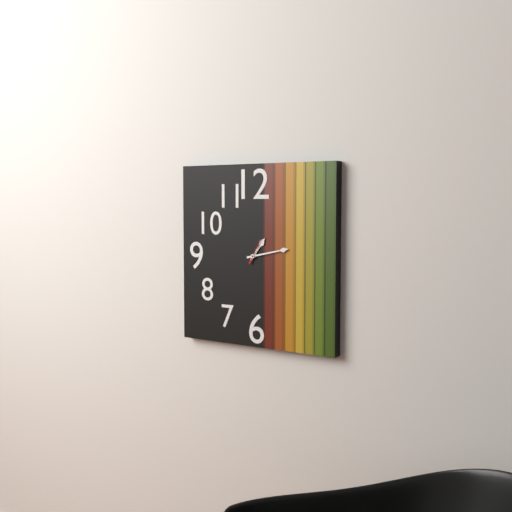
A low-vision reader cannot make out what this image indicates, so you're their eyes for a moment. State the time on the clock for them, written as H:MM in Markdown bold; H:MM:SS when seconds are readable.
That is **1:13**
